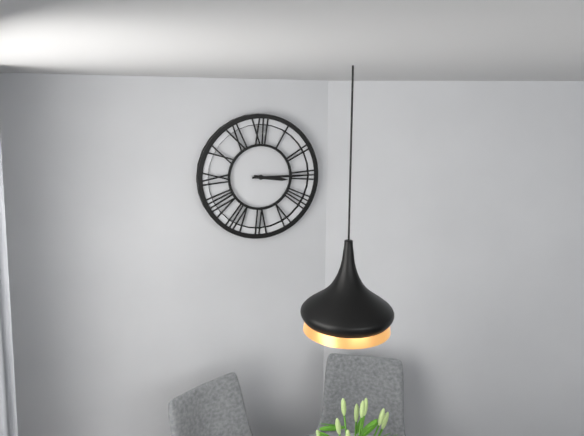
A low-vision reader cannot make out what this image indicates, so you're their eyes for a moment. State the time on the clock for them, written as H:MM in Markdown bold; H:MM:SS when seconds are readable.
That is **3:15**
